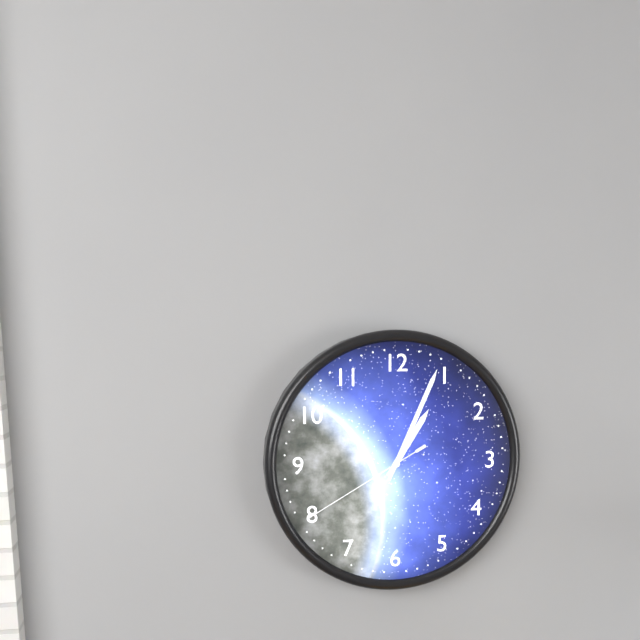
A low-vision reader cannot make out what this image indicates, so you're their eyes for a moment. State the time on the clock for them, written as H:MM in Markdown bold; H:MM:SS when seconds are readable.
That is **1:04:40**
